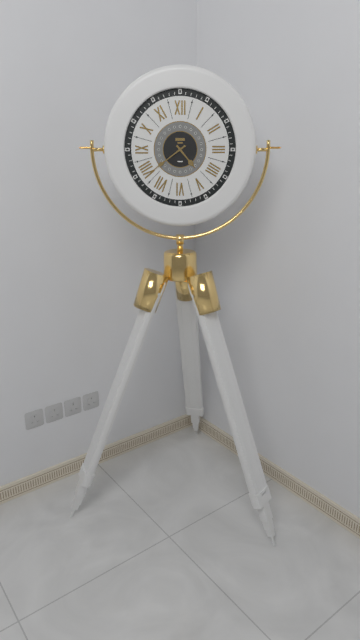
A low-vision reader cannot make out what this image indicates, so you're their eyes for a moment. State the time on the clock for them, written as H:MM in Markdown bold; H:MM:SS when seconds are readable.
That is **4:39**
